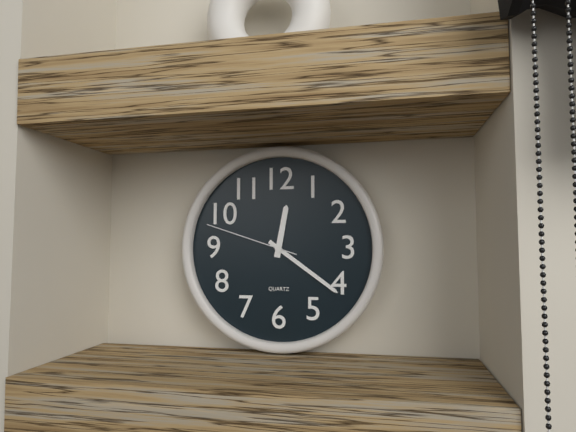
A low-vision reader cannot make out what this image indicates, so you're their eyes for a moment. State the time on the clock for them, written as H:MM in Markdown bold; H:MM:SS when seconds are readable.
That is **12:21:48**
